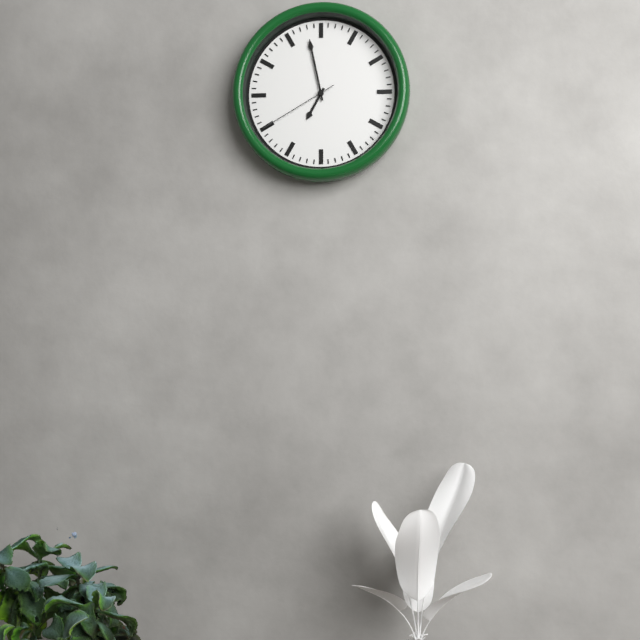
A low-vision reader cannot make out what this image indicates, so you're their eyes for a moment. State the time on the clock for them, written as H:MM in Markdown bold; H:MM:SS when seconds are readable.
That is **6:58:40**
